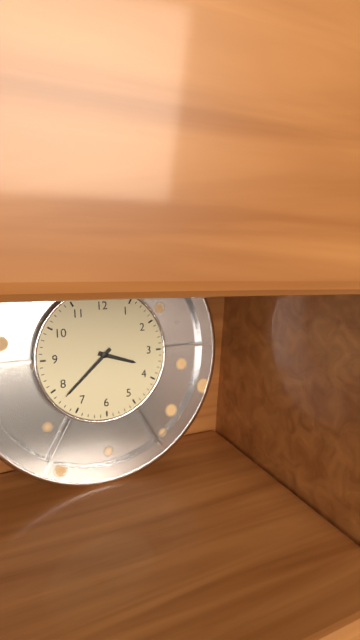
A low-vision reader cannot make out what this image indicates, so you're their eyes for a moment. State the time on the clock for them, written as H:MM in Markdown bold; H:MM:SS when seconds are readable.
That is **3:38**
